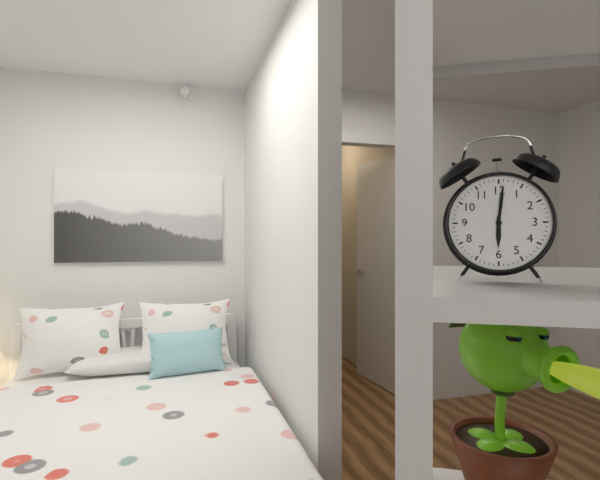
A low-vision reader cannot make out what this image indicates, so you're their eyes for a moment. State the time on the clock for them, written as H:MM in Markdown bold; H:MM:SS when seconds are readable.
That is **6:01**
